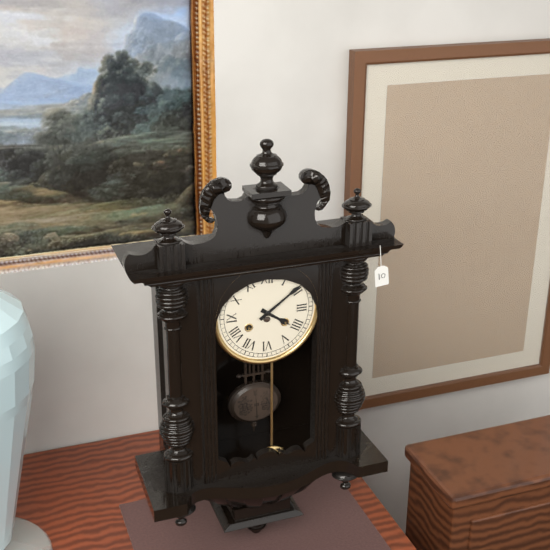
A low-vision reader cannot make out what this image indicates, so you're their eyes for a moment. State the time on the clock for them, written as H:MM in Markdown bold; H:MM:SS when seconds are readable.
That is **4:09**
